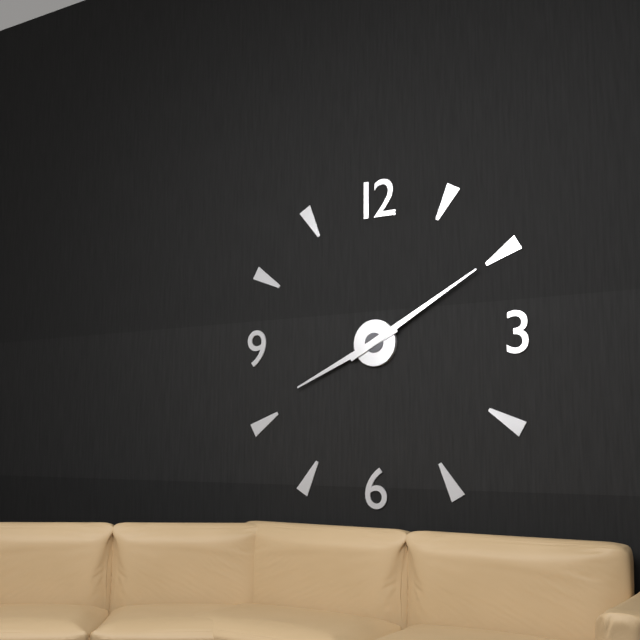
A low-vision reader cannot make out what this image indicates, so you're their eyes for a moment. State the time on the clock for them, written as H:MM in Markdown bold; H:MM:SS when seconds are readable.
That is **8:10**
